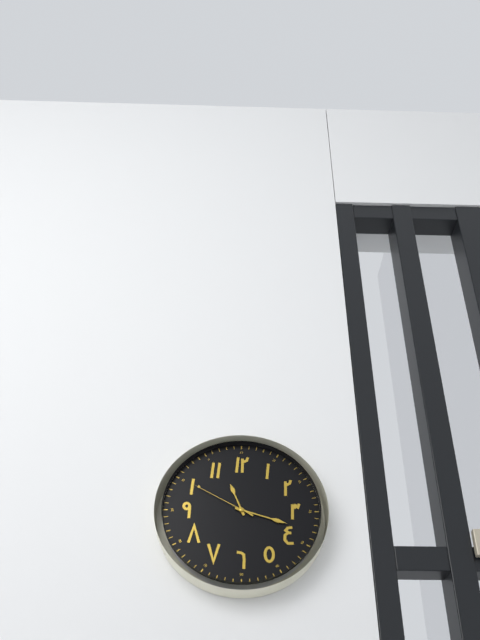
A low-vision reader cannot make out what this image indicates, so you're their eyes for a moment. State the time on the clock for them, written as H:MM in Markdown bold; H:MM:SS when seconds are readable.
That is **11:18:50**
